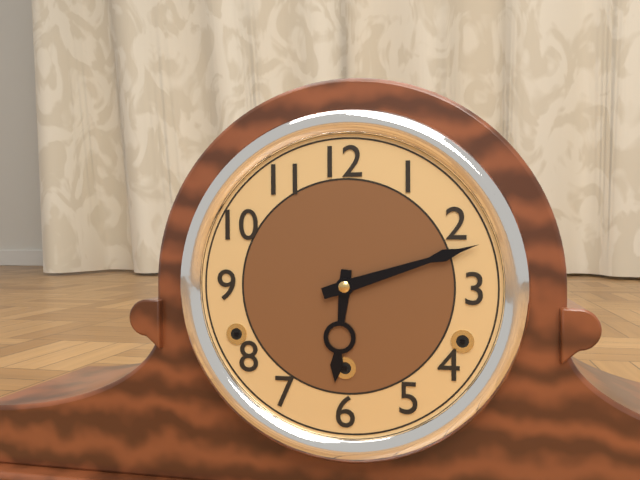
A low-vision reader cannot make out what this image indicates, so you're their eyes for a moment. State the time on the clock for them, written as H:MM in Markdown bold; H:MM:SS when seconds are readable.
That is **6:12**
